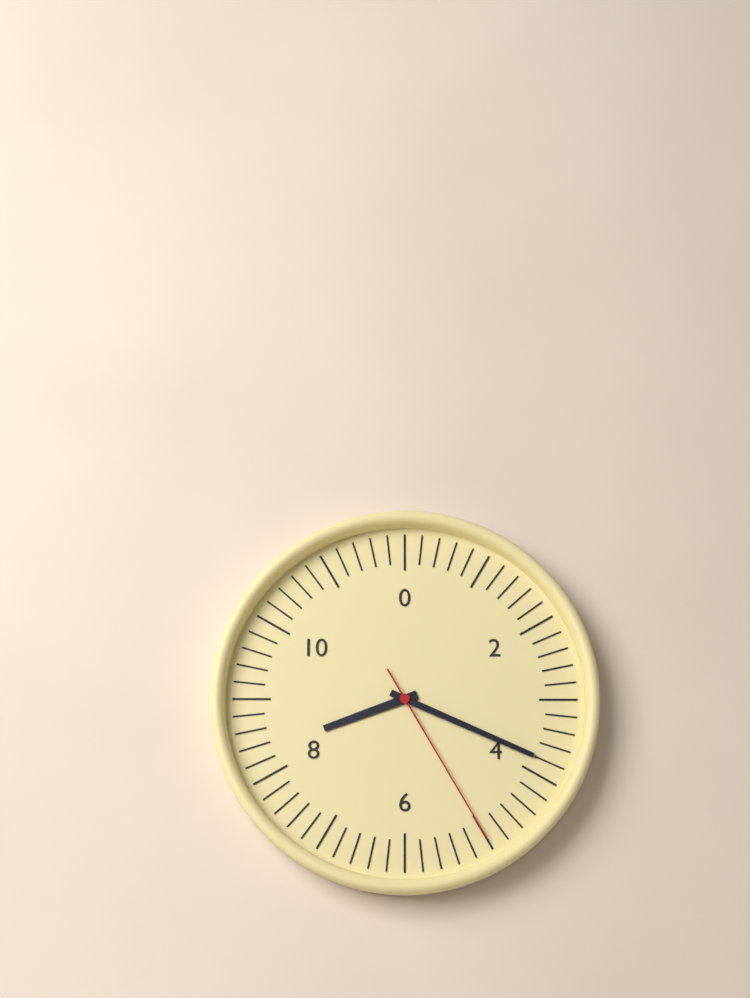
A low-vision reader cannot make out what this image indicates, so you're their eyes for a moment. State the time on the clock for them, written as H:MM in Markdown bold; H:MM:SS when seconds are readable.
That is **8:19:25**
